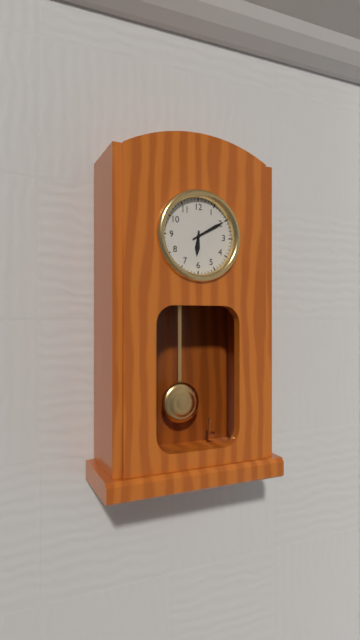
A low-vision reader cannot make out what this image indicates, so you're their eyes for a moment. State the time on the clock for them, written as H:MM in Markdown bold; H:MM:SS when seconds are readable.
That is **6:10**
